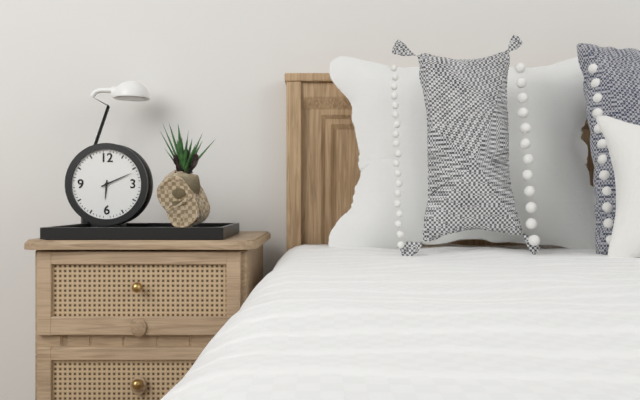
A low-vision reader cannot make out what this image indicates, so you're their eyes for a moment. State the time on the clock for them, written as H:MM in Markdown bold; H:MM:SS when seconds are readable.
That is **6:11**
